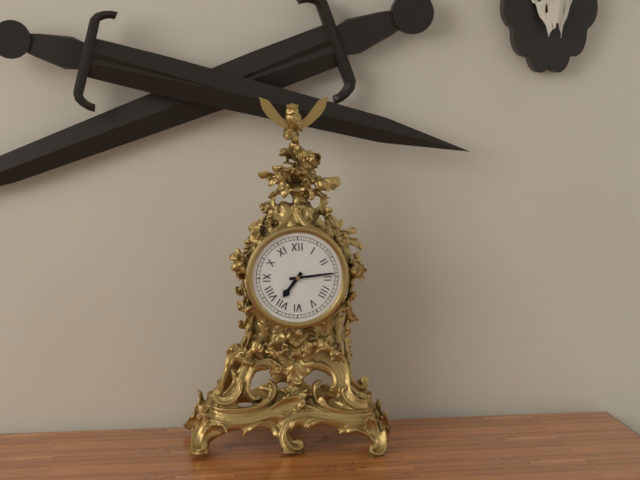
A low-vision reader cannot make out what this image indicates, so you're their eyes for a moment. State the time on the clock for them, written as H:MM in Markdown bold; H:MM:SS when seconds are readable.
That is **7:14**
